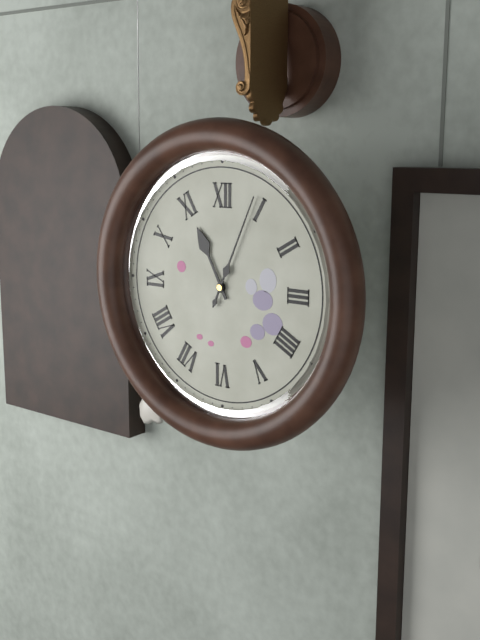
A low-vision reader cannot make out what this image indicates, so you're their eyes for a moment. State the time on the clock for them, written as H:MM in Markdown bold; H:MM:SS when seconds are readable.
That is **11:04**
